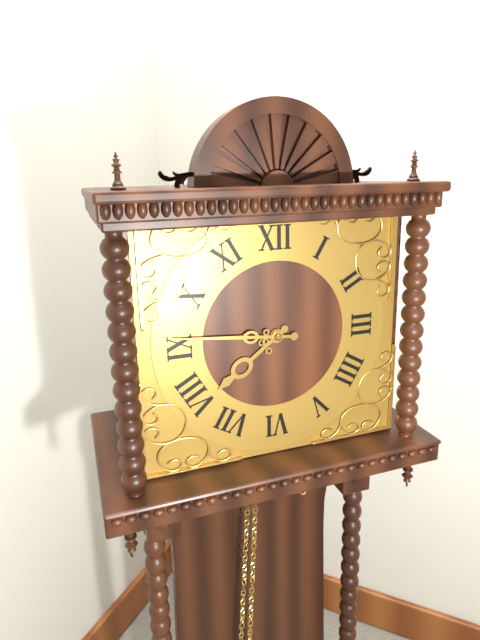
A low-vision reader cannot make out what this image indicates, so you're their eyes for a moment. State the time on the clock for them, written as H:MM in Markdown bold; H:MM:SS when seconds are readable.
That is **7:46**
